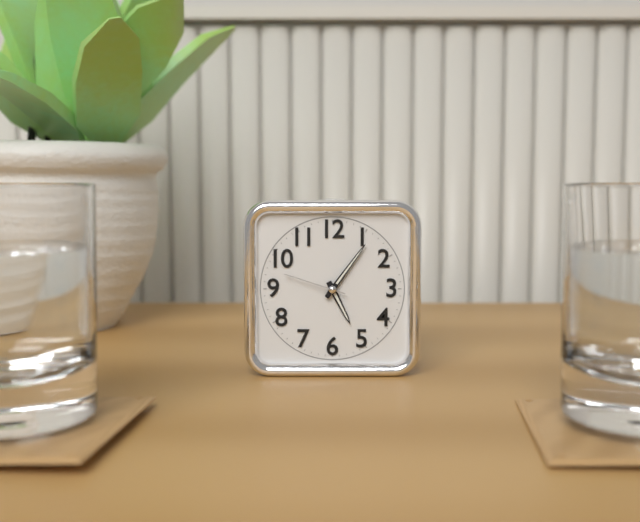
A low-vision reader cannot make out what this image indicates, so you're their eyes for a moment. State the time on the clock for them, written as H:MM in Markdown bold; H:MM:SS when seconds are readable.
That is **5:06:48**
